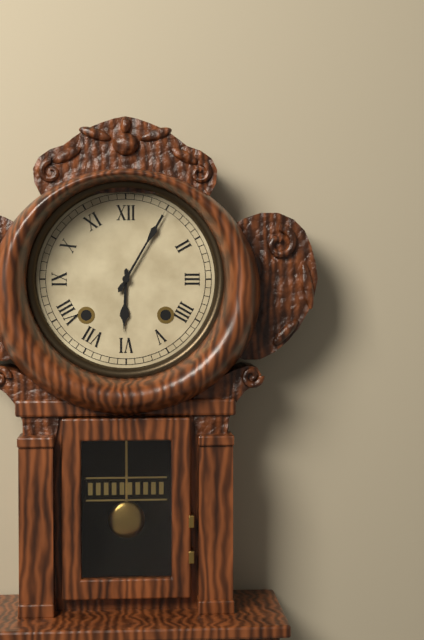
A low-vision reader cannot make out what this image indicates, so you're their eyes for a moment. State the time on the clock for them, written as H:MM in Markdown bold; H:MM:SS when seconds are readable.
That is **6:05**
